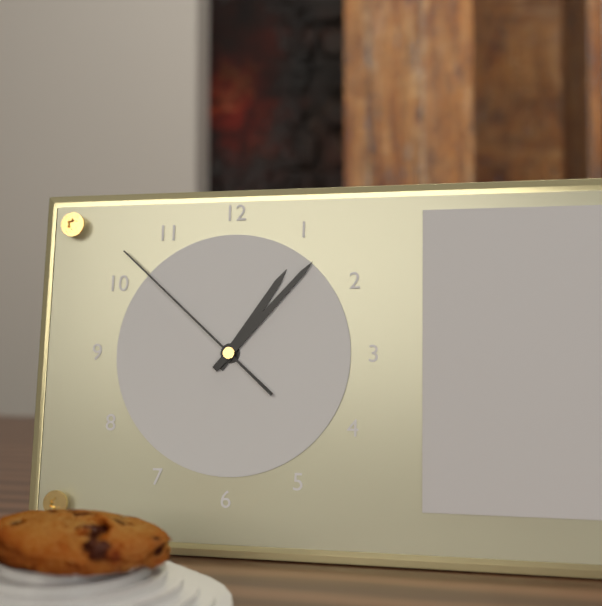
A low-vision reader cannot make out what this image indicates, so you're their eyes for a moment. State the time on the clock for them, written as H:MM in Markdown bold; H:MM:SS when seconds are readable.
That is **1:07:52**
